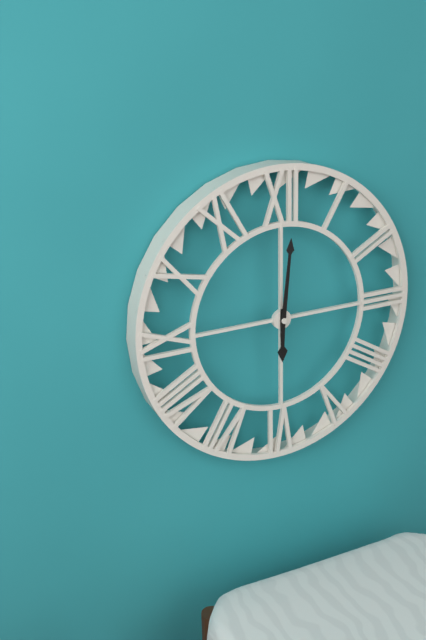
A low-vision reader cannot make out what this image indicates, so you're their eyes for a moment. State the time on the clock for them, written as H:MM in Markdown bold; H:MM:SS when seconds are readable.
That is **6:01**
